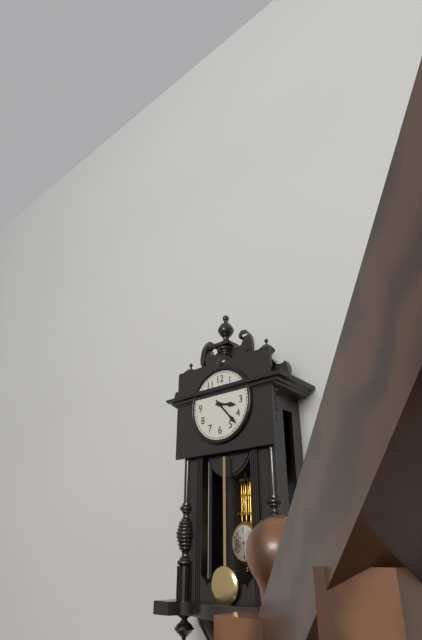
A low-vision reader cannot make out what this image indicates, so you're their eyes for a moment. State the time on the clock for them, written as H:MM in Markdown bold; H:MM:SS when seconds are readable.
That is **3:23**
